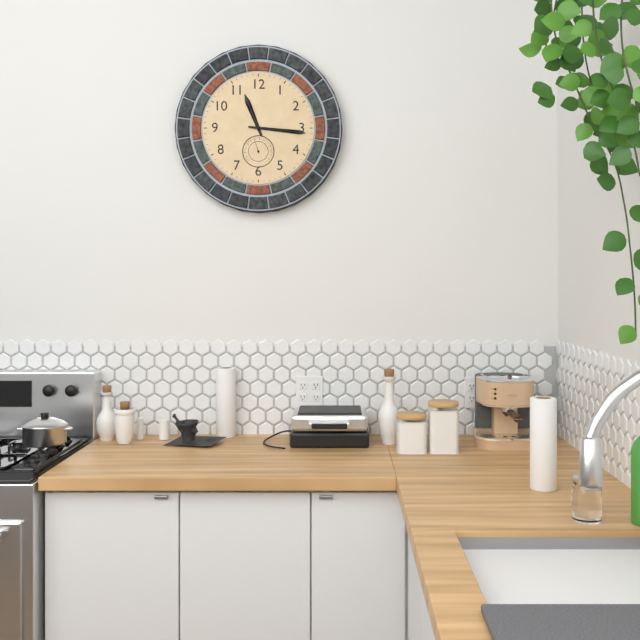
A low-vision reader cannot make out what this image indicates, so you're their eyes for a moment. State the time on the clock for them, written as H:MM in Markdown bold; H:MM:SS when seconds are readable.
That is **11:16**
